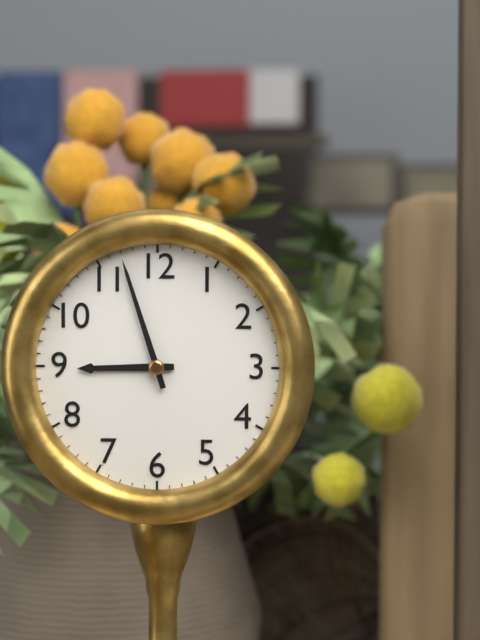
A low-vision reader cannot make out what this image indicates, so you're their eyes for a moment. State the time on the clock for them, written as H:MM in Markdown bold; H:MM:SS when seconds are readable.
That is **8:57**
